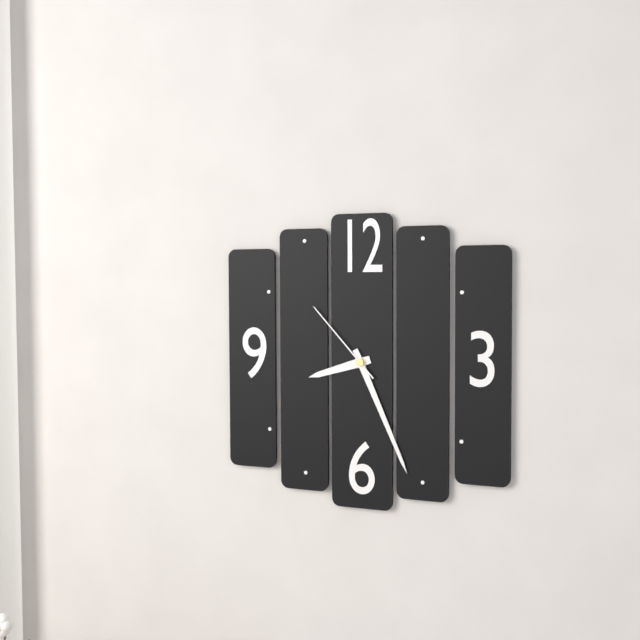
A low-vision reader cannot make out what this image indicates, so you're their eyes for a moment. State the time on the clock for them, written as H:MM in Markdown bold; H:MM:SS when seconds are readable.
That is **8:26:53**
